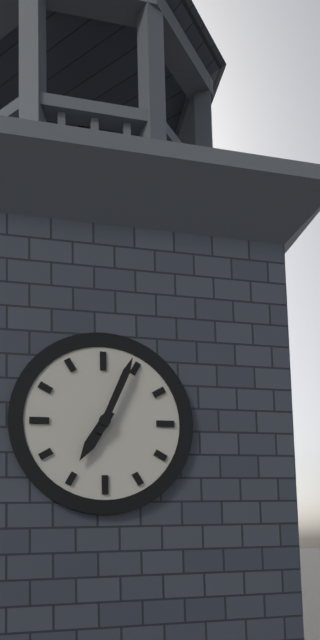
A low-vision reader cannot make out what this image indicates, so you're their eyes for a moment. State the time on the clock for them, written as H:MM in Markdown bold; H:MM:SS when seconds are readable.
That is **7:04**
